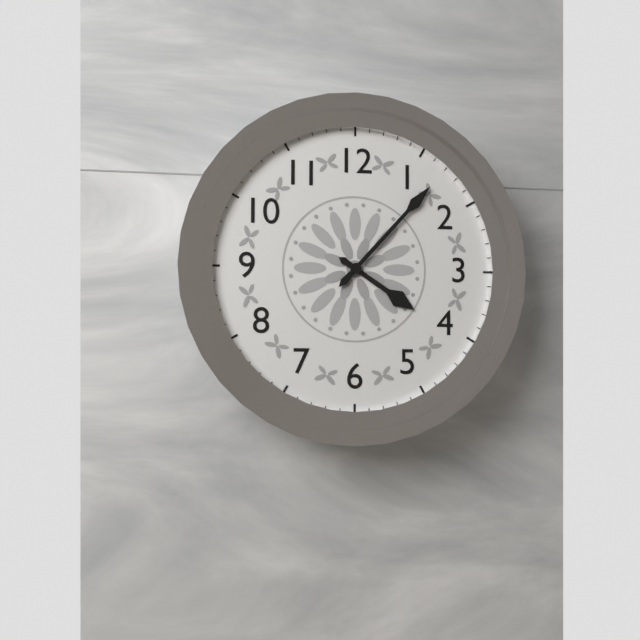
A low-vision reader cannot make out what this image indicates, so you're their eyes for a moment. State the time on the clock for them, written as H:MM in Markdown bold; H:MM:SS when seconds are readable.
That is **4:07**
